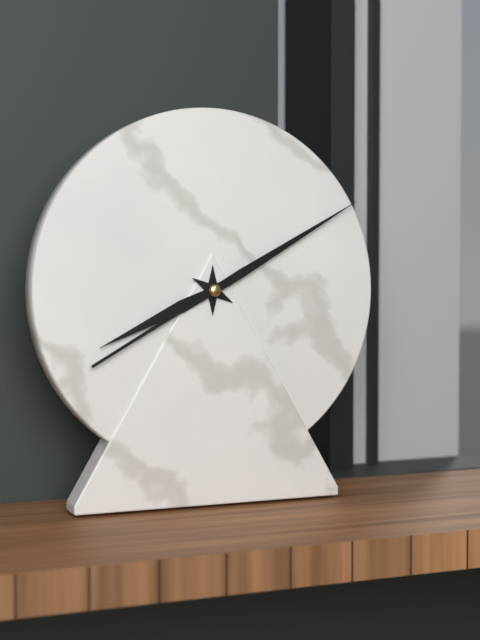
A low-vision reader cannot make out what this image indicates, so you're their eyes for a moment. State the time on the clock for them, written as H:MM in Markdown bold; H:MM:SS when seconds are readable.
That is **8:10**
